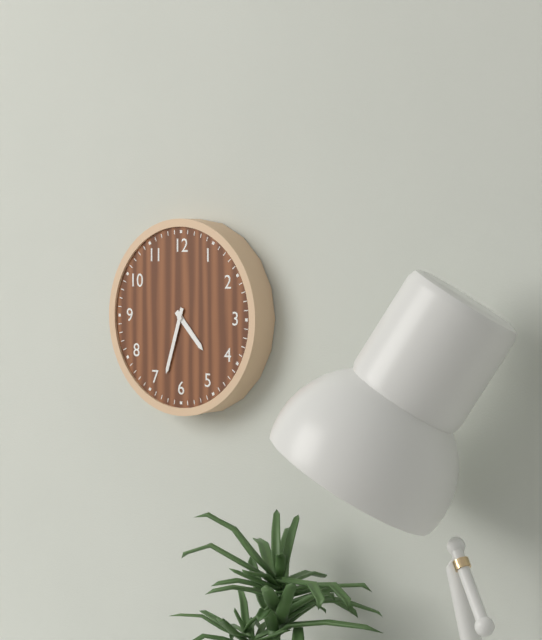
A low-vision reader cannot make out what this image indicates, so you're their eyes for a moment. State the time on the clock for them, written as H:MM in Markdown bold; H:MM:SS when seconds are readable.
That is **4:33**
